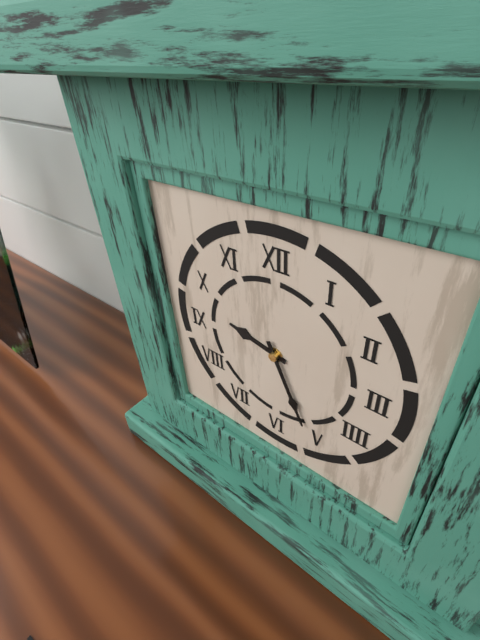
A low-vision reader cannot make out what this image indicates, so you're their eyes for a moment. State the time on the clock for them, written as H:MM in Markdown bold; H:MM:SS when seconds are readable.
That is **9:26**
